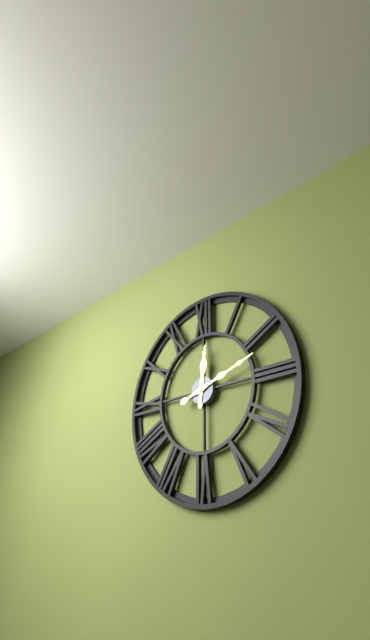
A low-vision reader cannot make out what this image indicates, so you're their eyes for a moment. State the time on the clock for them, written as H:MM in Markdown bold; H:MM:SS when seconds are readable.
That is **12:12**
